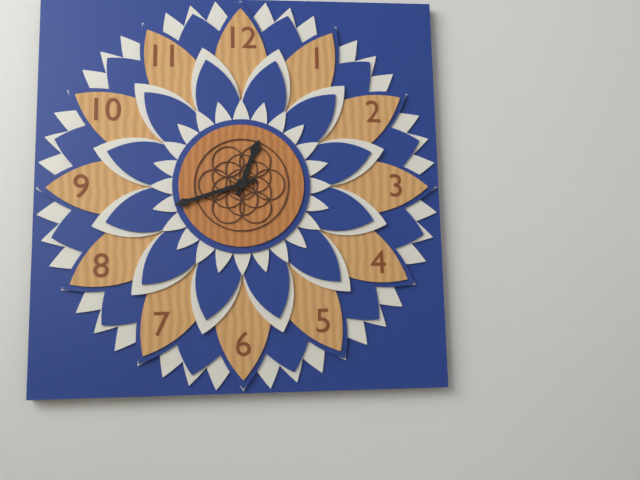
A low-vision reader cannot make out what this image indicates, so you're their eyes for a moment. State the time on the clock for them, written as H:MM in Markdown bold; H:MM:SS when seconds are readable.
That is **12:42**
